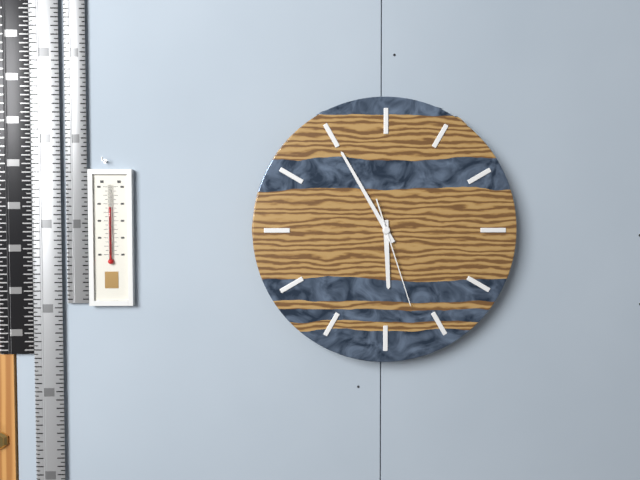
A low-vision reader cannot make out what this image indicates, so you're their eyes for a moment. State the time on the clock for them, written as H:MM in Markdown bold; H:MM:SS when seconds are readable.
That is **5:55:27**
